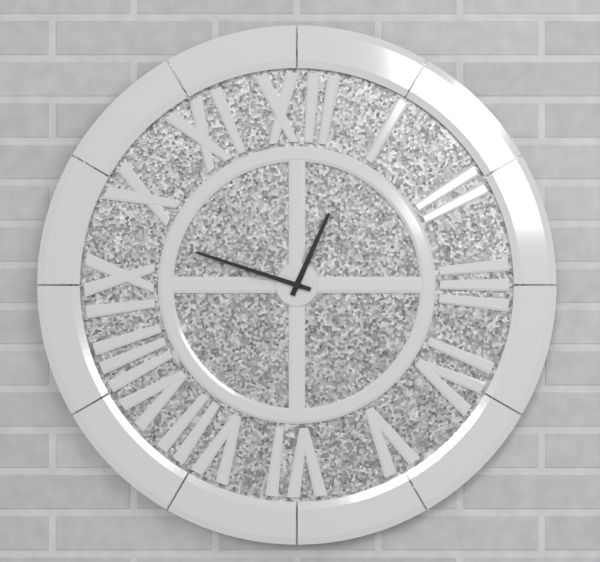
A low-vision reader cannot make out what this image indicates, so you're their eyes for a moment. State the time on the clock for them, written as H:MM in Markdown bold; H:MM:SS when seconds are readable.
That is **12:48**
